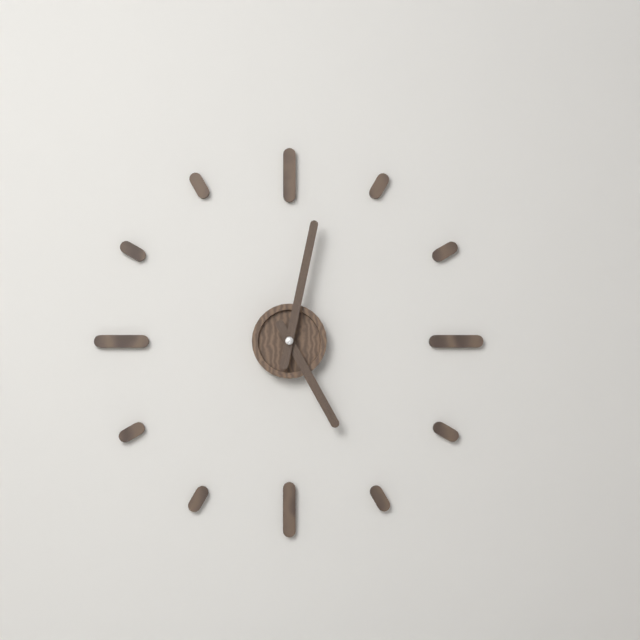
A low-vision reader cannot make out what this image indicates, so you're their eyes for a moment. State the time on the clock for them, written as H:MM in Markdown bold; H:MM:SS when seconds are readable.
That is **5:02**
